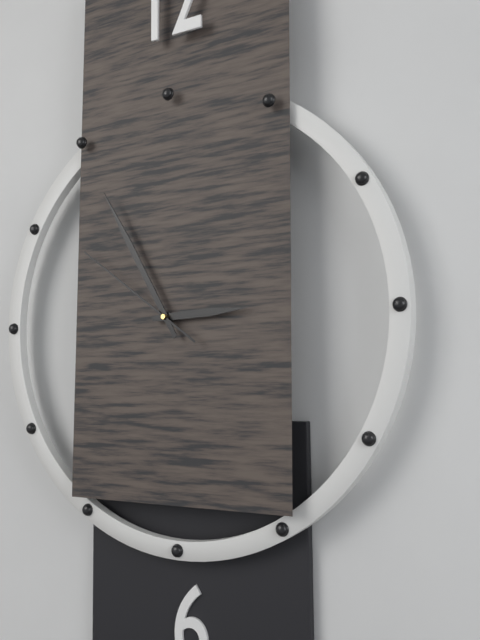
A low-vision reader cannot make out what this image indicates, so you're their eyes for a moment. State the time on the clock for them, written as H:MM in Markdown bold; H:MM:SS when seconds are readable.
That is **2:55:51**
